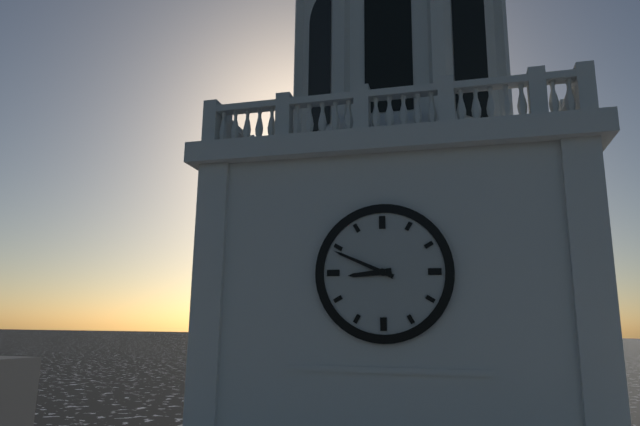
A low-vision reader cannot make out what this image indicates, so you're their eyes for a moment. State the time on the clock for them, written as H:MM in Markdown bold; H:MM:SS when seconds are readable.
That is **8:49**
